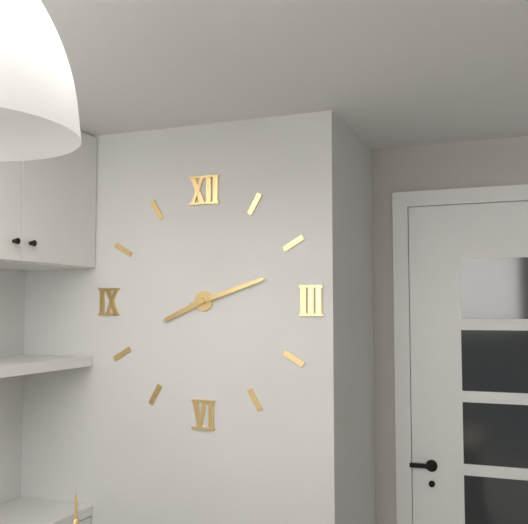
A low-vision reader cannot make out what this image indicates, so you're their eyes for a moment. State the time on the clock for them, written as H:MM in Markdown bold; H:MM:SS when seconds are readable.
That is **8:12**
